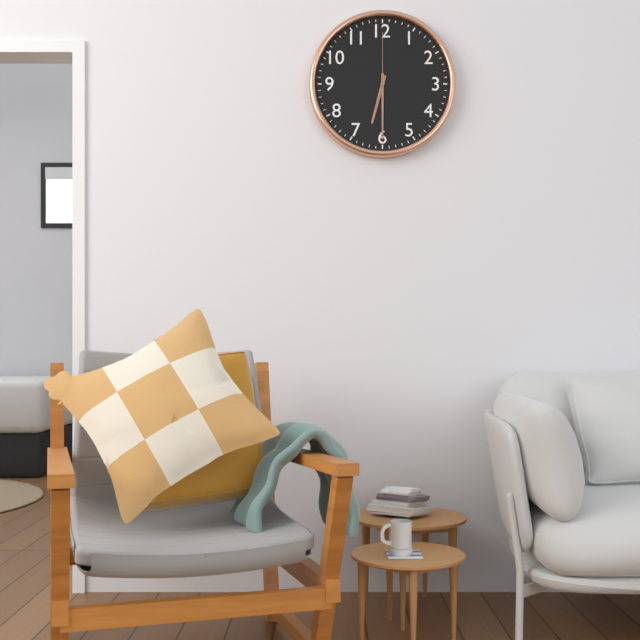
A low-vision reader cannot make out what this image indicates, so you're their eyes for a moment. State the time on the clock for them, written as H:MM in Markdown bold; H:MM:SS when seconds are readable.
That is **6:30:00**
